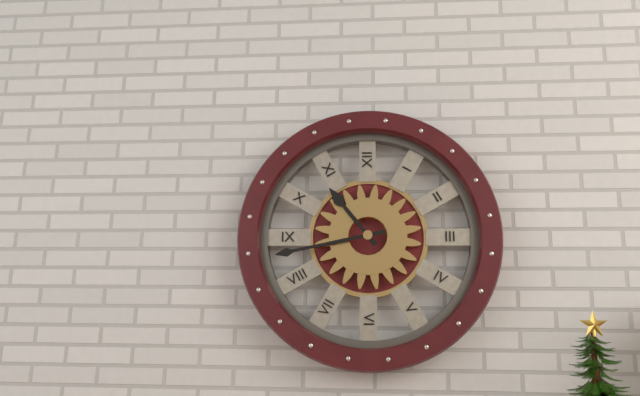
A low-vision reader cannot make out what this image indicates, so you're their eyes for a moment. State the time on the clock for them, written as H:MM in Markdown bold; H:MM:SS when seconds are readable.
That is **10:43**
